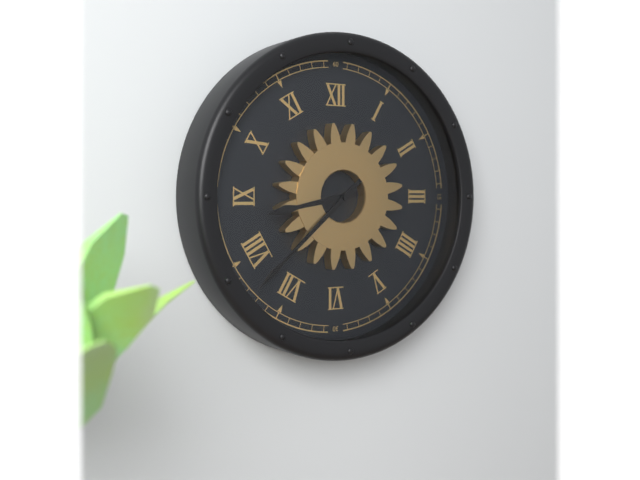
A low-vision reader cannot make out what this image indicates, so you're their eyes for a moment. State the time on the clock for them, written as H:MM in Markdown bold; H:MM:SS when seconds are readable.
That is **8:38**
